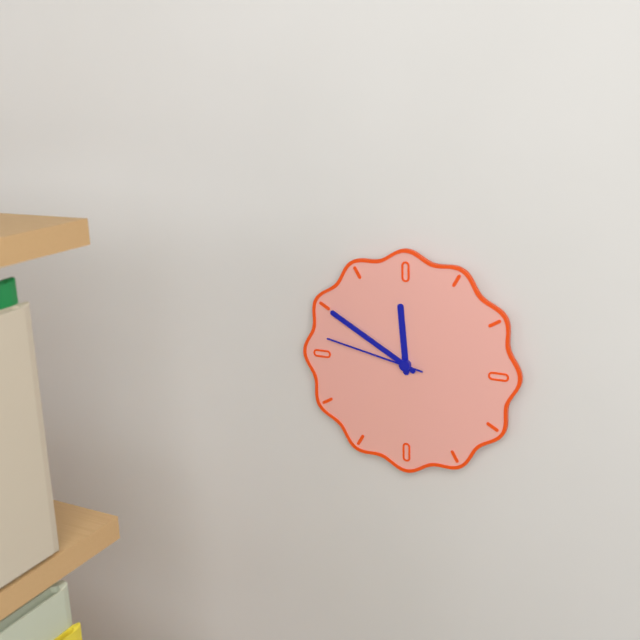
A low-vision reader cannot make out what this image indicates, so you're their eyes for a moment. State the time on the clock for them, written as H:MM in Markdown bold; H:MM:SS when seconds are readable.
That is **11:50:47**
